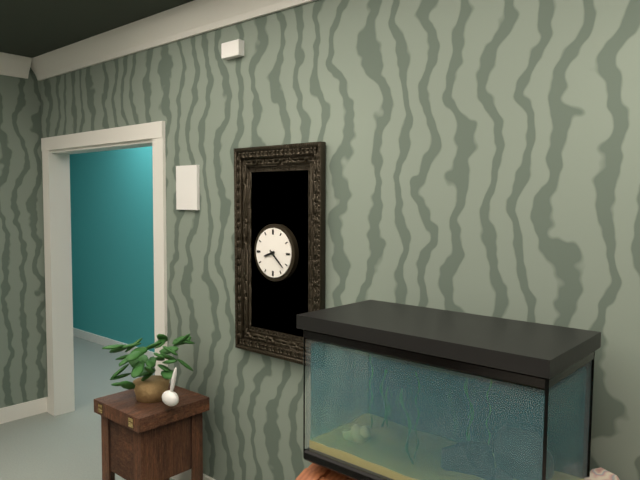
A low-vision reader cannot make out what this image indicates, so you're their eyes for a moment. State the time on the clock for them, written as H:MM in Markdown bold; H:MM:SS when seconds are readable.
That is **8:22**
